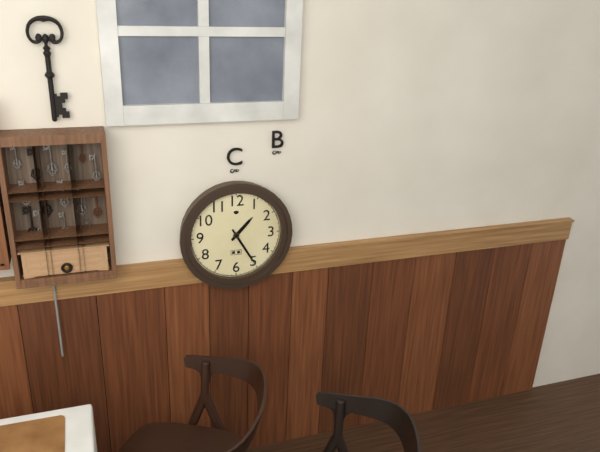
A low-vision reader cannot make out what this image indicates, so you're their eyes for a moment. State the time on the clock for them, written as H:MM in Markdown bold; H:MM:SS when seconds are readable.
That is **1:25**
